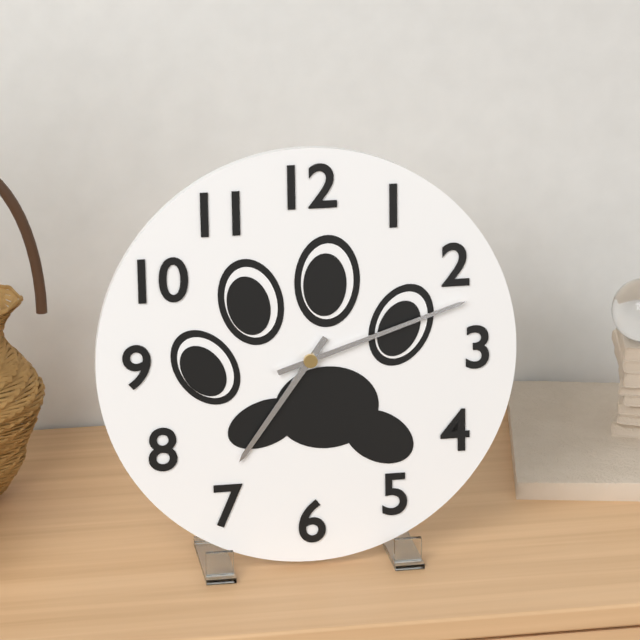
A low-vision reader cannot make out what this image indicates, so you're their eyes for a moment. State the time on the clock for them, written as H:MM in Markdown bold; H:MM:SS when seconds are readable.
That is **7:12**
